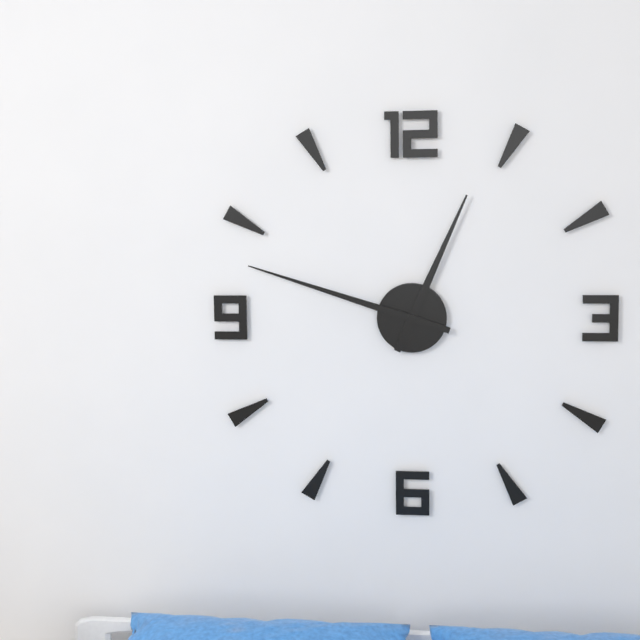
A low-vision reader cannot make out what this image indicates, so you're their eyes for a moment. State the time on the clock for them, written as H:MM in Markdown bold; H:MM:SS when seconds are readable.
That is **12:48**
